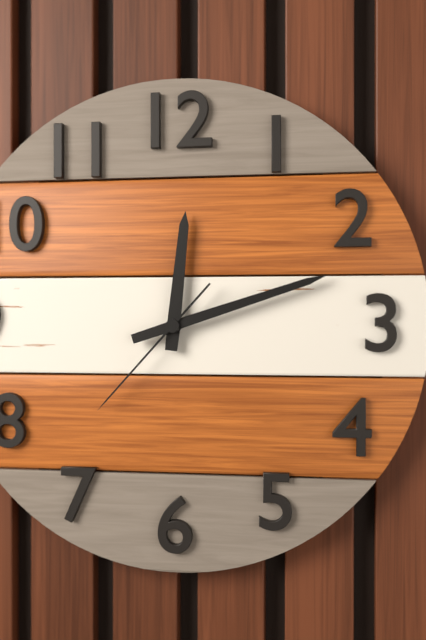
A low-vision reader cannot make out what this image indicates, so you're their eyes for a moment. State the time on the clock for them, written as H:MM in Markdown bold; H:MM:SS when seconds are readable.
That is **12:12:37**
